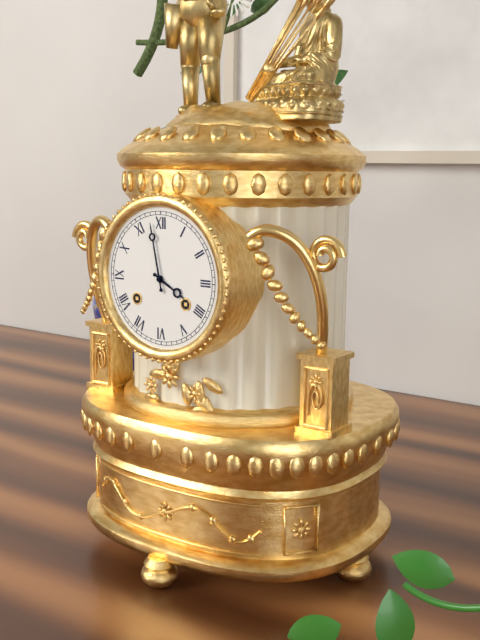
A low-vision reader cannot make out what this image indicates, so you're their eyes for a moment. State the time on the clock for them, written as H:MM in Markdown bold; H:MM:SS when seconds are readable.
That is **3:58**
